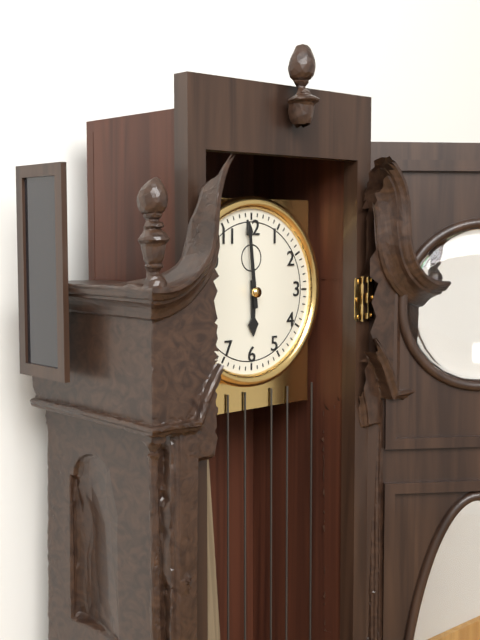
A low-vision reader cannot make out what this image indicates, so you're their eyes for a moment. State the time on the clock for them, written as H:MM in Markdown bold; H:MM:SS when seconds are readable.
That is **5:59**
